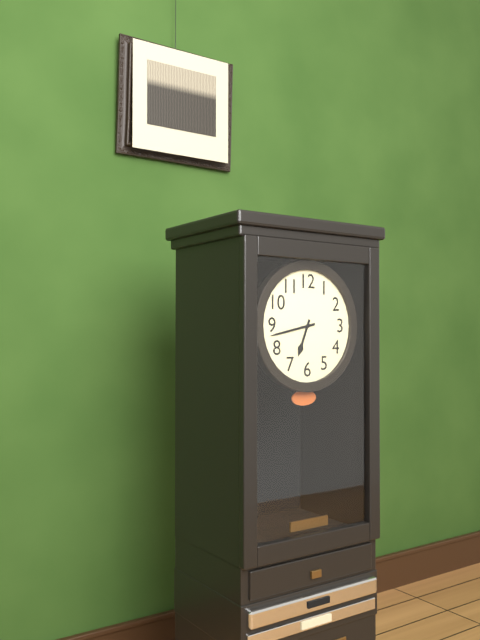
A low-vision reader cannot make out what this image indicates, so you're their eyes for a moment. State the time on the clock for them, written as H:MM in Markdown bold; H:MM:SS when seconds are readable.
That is **6:43**
